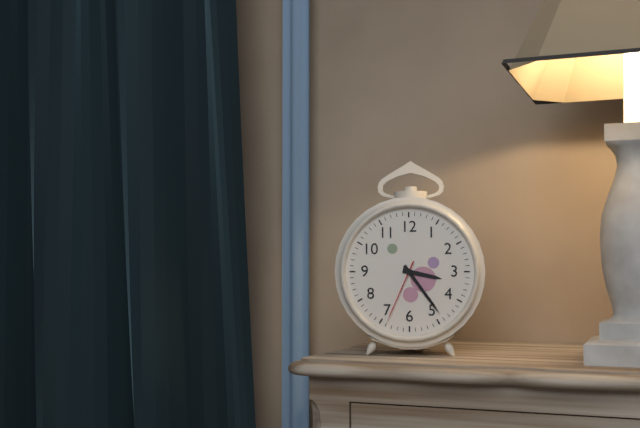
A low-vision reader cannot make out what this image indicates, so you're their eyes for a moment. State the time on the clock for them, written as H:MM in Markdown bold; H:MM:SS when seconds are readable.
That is **3:24:34**
